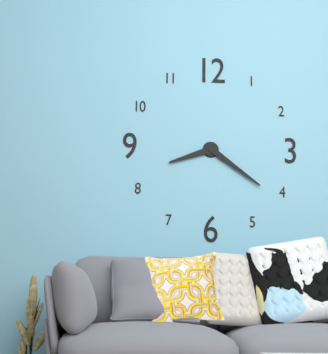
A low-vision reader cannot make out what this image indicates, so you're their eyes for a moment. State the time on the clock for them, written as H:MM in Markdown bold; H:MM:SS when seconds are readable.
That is **8:21**
